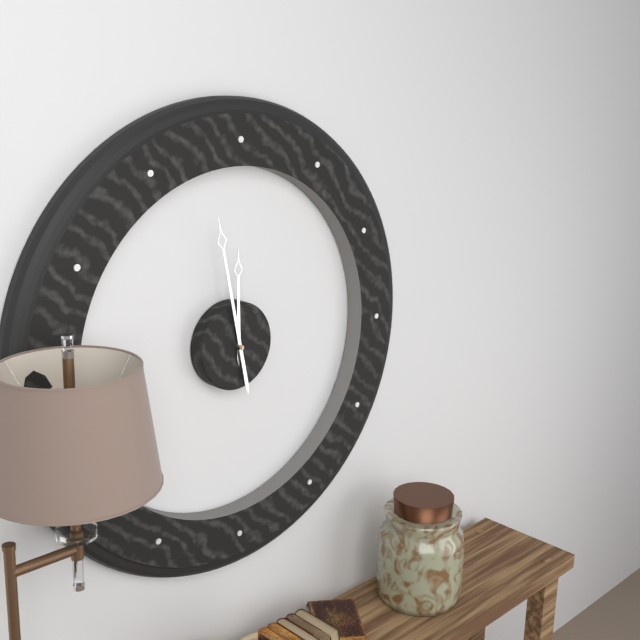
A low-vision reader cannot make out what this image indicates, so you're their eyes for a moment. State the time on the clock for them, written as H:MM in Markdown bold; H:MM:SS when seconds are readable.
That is **11:58**
